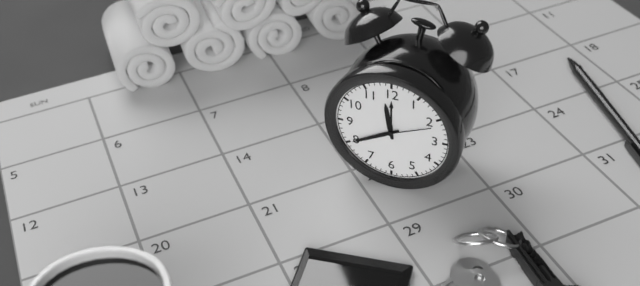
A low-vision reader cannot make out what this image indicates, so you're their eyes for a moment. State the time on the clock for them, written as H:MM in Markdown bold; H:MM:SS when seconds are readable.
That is **11:40:11**
